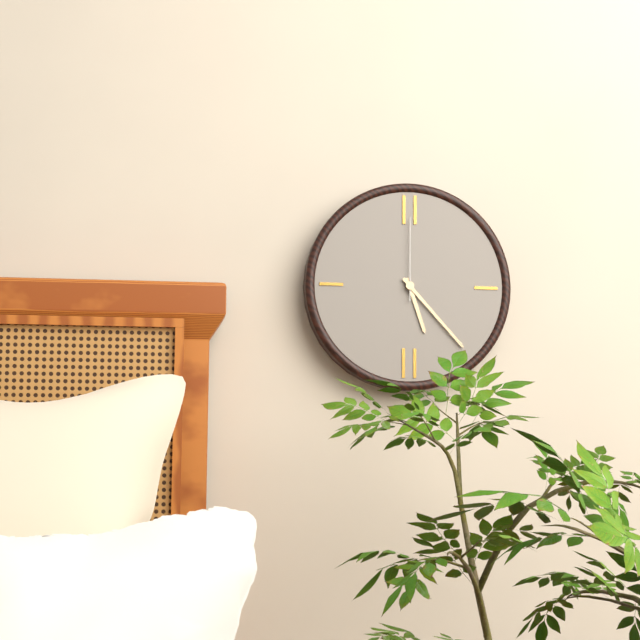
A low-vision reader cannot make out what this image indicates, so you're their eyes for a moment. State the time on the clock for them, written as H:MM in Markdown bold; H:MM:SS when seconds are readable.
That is **5:23:00**
